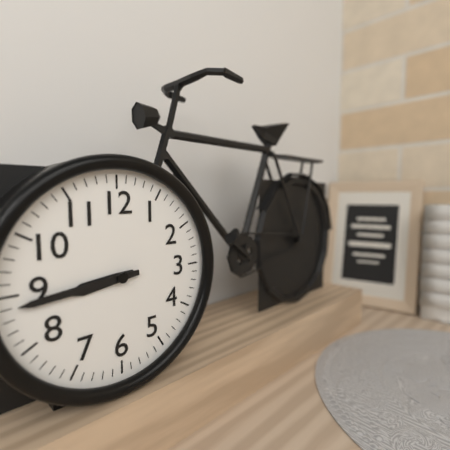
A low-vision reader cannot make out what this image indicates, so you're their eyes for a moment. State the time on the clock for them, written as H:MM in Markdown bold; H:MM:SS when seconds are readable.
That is **8:44**
